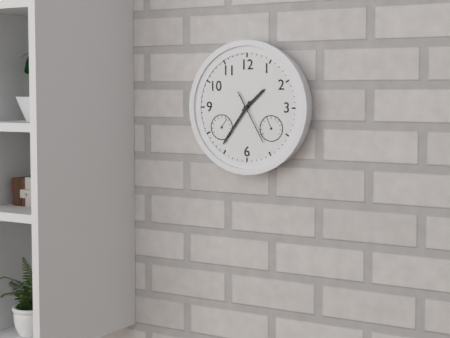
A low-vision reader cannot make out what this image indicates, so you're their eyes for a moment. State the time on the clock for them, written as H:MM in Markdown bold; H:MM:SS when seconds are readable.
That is **1:36**
